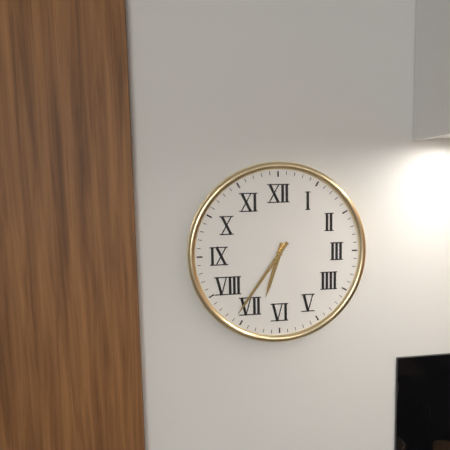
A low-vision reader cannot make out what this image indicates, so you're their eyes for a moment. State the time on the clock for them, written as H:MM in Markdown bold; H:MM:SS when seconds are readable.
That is **6:36**
